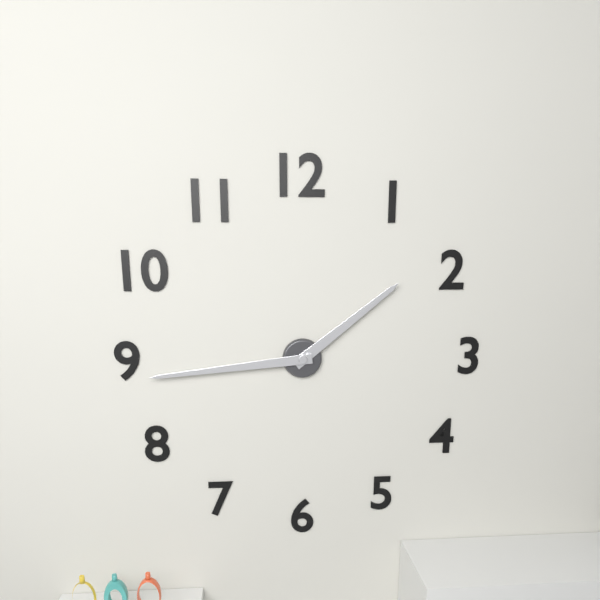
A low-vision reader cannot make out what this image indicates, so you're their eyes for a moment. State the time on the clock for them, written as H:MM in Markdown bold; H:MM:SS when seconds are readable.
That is **1:44**
